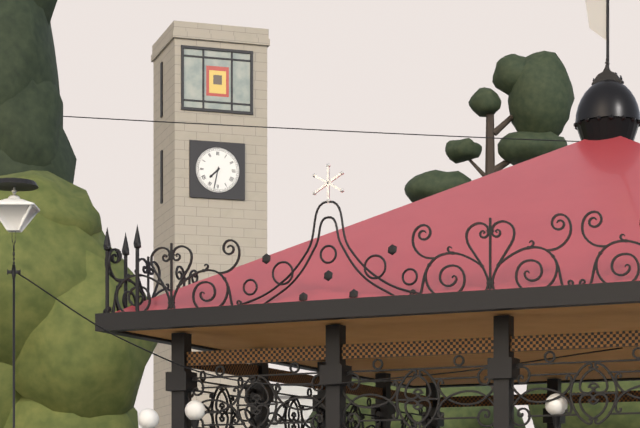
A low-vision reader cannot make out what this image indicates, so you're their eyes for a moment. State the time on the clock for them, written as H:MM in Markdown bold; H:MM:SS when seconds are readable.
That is **7:32**
